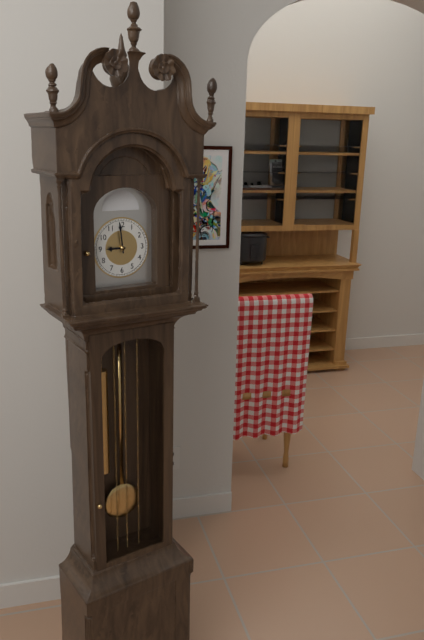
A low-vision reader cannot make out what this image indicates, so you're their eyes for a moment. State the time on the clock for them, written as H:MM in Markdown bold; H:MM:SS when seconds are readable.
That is **8:59**
